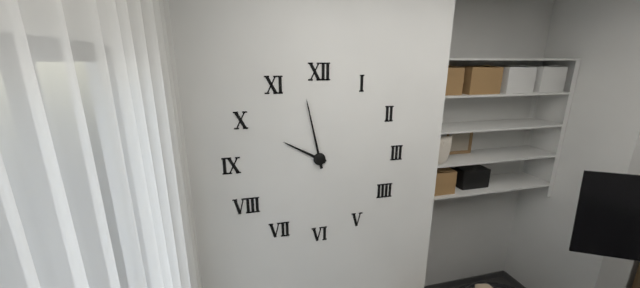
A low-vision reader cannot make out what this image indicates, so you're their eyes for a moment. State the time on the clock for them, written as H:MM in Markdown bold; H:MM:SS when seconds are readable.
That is **9:58**
